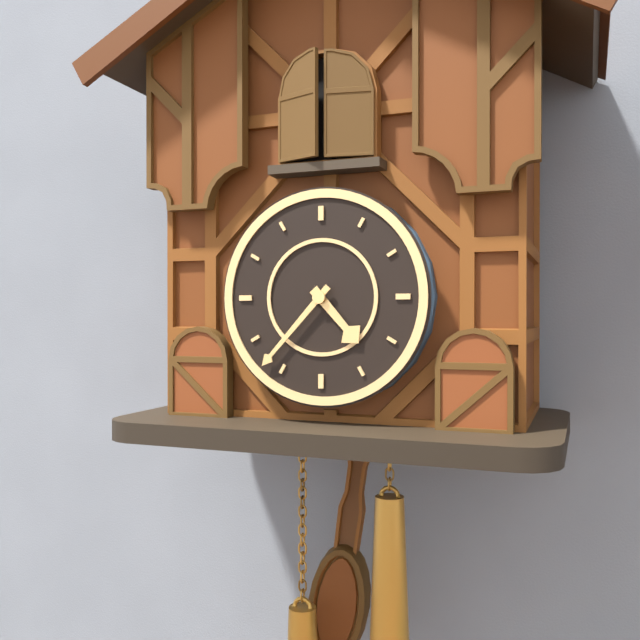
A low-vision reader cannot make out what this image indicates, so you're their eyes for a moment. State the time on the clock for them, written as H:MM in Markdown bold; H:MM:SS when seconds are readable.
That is **4:37**
